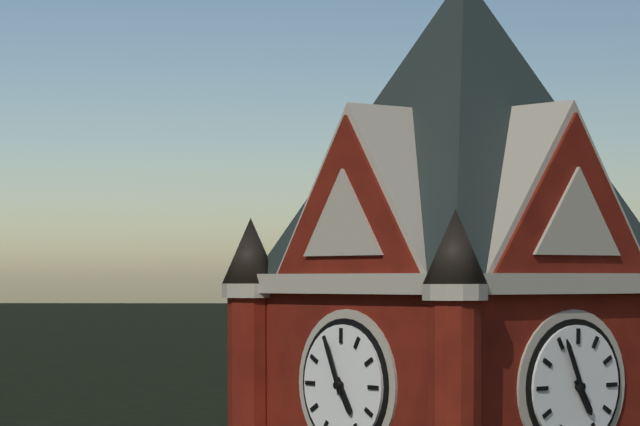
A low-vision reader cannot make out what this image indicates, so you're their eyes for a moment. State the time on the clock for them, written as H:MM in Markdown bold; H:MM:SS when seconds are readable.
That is **4:56**
